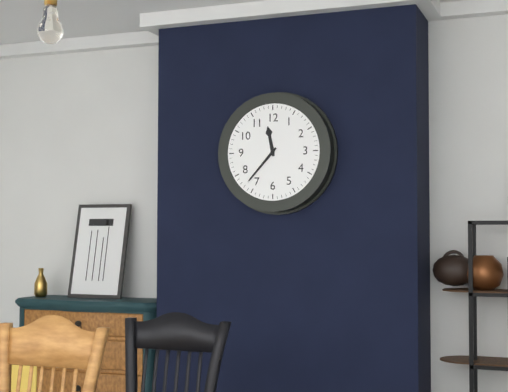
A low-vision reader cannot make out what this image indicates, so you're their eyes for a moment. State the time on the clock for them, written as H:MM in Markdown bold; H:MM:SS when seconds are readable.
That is **11:37**
